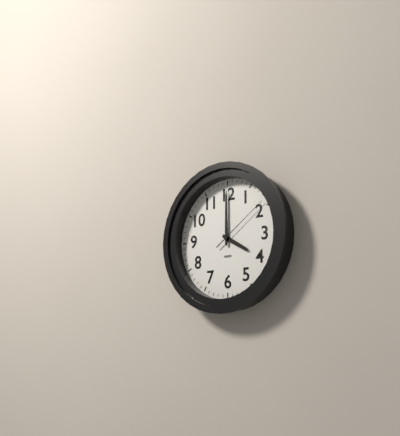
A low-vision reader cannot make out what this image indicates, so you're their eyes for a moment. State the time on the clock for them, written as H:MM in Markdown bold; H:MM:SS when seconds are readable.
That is **4:00:09**
